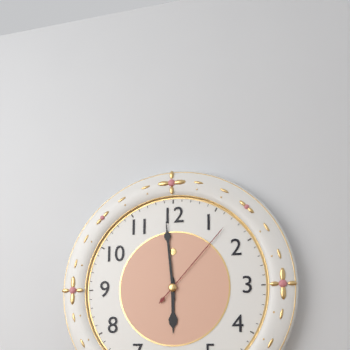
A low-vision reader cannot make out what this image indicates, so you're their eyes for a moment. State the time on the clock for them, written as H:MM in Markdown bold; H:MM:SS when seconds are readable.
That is **5:59:07**
